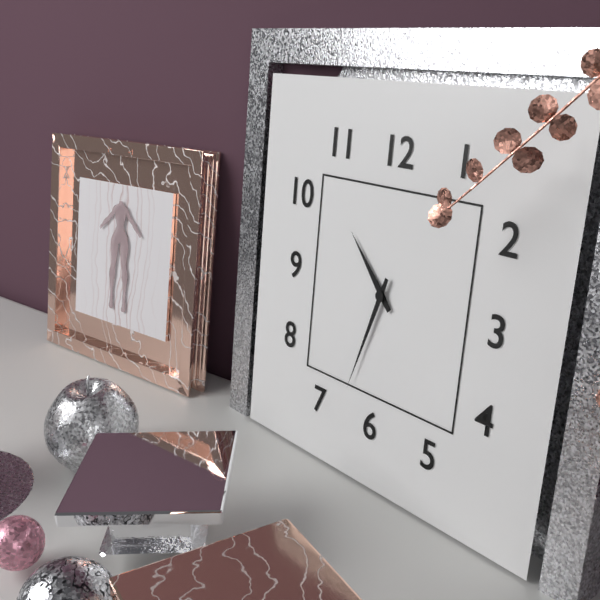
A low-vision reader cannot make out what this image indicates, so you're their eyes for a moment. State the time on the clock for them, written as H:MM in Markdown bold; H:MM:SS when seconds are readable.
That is **10:33**
